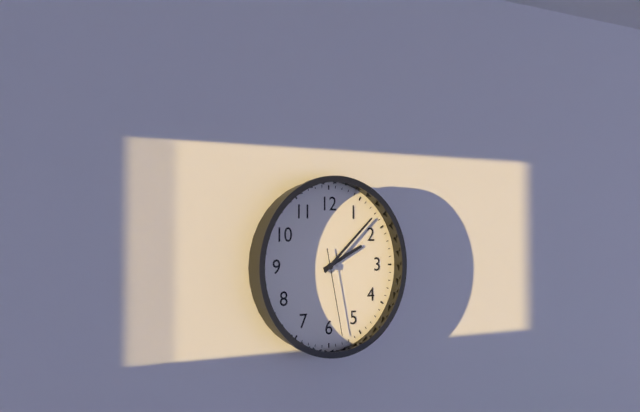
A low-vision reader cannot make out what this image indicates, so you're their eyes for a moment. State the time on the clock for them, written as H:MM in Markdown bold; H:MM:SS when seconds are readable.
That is **2:08:28**
